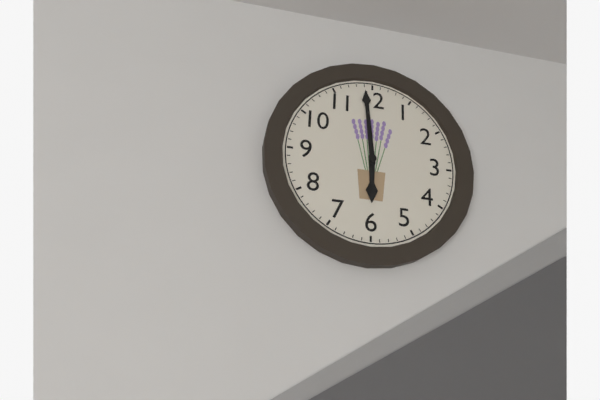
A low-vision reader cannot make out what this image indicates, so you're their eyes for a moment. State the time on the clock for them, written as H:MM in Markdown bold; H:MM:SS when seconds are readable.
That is **5:59**
